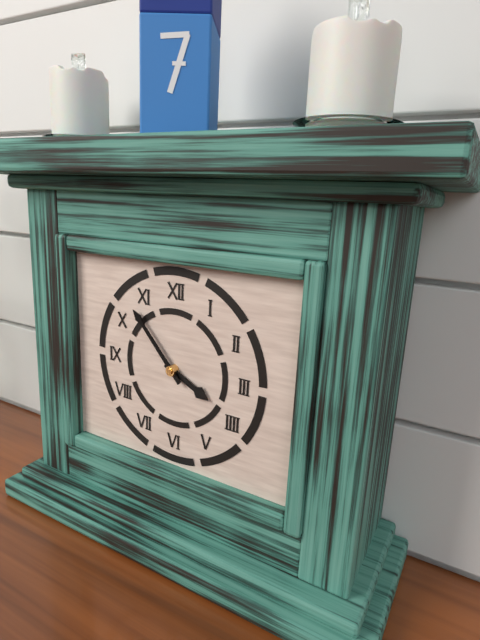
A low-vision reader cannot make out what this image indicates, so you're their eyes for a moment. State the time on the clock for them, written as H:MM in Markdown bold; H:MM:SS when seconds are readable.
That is **3:53**
